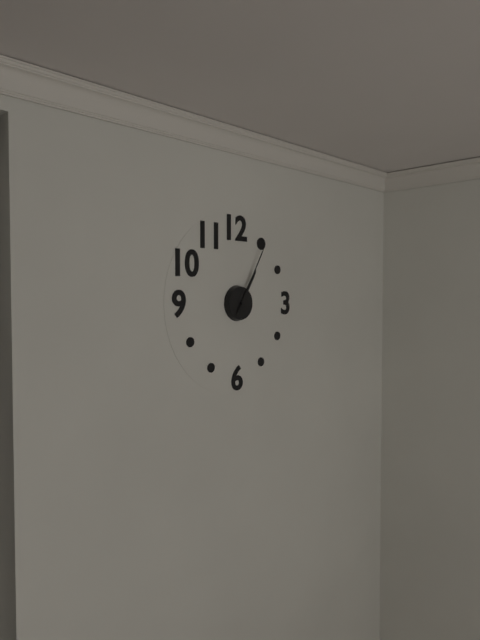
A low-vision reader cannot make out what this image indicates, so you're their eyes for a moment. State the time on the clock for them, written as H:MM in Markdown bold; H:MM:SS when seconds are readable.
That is **1:05**
